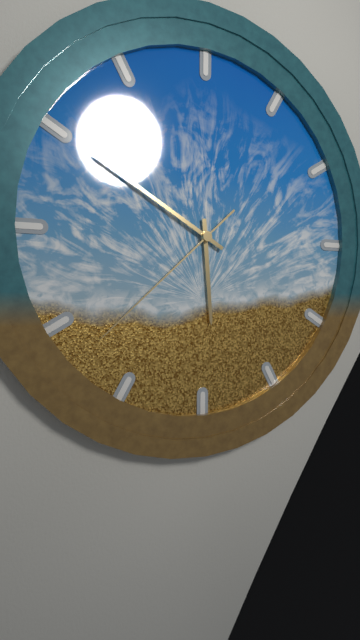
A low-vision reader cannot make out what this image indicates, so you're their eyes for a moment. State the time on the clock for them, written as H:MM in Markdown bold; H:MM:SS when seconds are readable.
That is **5:50:38**
